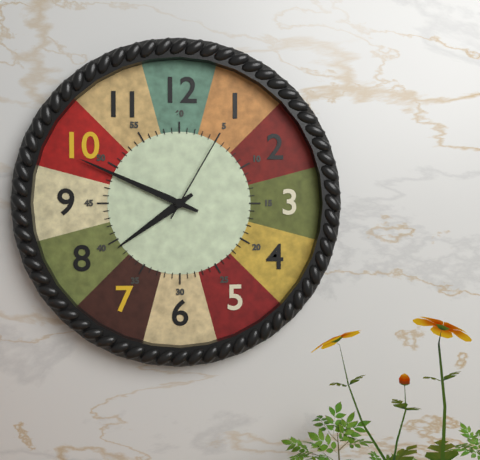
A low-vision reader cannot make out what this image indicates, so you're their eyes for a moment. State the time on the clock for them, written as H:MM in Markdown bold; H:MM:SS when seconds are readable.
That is **7:49:05**
